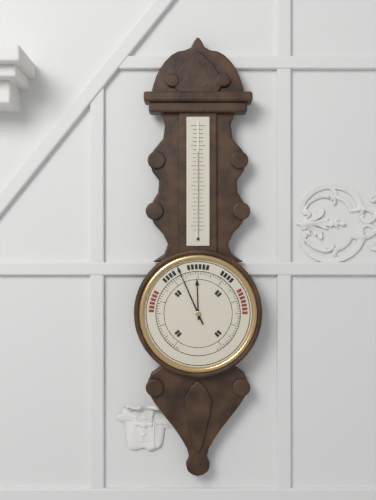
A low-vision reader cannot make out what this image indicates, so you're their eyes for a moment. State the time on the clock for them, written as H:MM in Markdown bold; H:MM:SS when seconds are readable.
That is **11:56**
